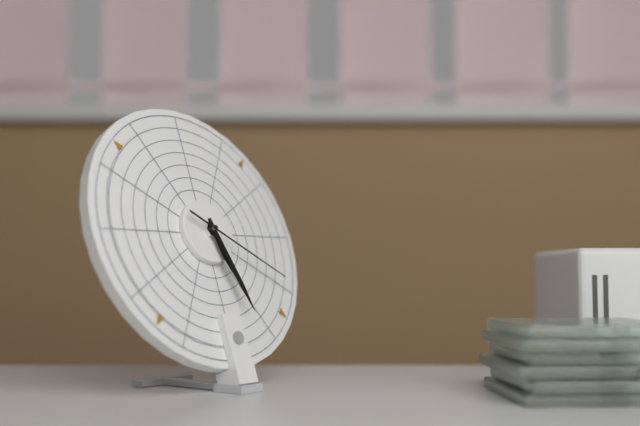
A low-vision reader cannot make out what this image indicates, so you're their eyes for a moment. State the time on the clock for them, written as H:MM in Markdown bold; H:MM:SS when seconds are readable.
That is **5:27:20**
